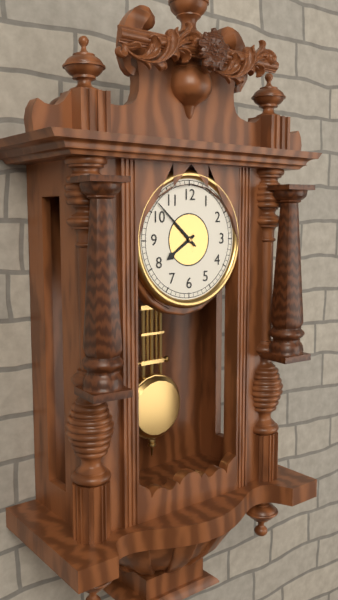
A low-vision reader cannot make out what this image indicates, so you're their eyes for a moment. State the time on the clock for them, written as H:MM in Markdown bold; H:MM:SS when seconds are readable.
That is **7:52**
